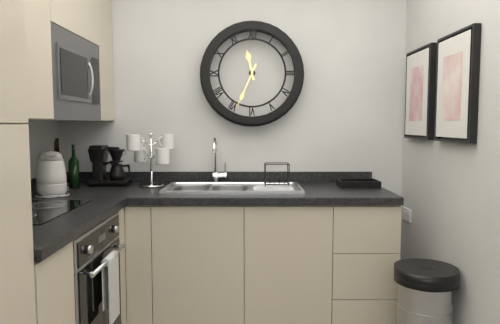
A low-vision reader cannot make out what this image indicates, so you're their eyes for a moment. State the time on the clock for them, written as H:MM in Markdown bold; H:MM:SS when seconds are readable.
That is **11:34**
